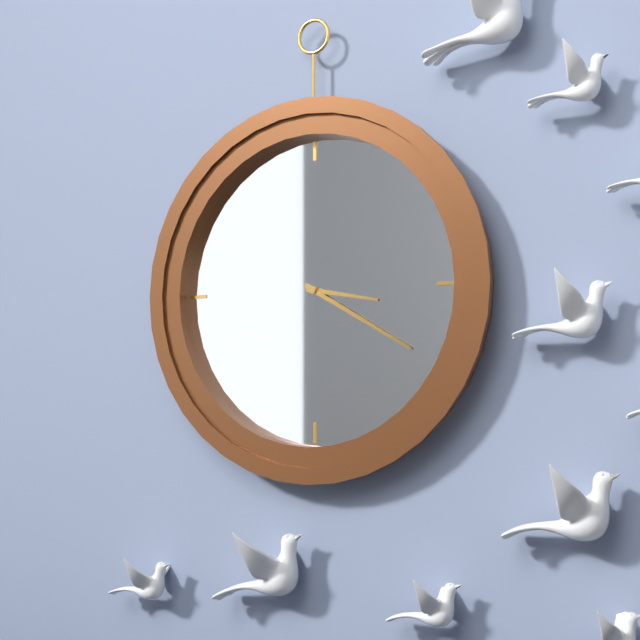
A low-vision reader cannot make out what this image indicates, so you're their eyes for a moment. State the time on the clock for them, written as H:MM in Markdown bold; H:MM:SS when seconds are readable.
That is **3:20**
